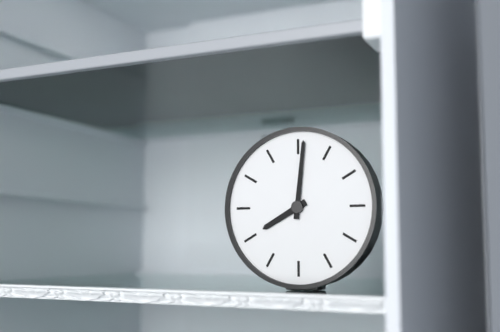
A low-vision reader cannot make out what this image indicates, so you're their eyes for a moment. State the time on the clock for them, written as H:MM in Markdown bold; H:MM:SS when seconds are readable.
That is **8:01**
